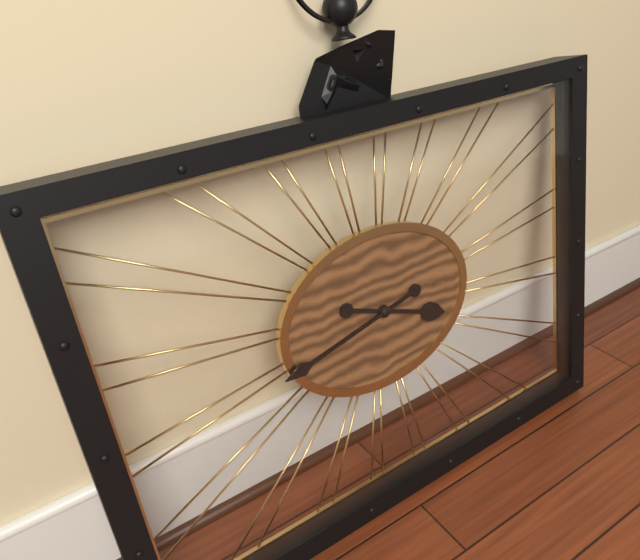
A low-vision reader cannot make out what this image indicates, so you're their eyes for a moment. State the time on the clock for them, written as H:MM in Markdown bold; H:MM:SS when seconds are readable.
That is **3:43**
